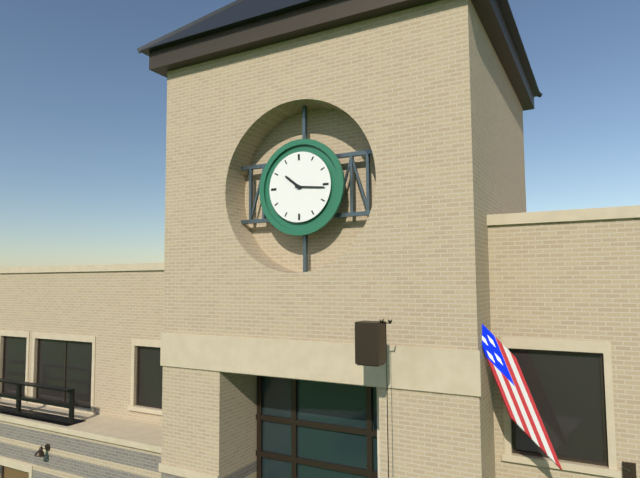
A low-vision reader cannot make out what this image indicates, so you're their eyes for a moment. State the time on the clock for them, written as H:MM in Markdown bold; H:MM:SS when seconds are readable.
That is **10:16**
